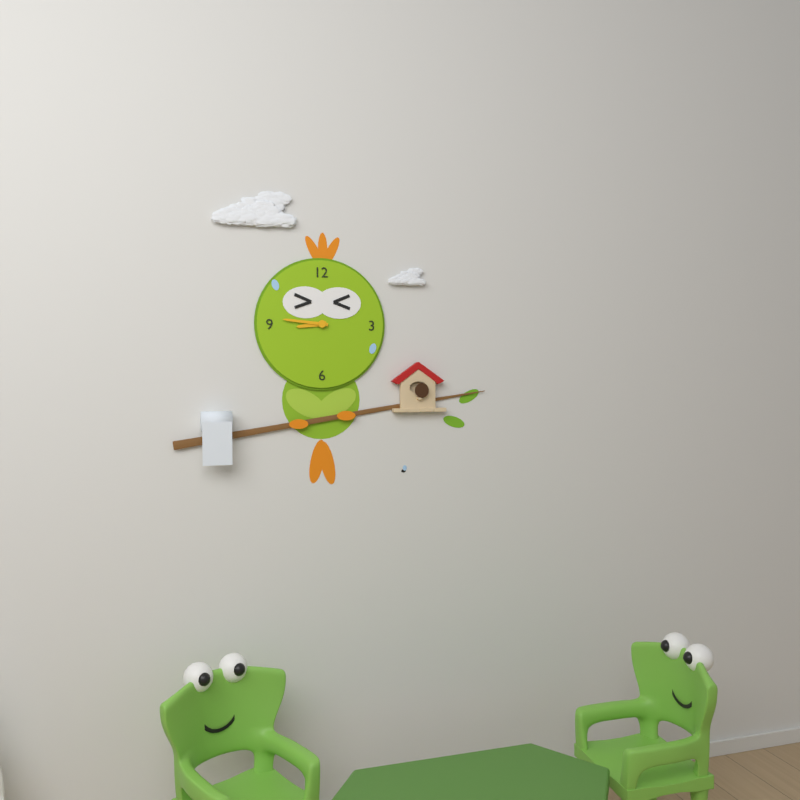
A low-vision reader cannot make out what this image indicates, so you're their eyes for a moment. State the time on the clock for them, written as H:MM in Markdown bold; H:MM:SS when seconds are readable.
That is **8:46**
